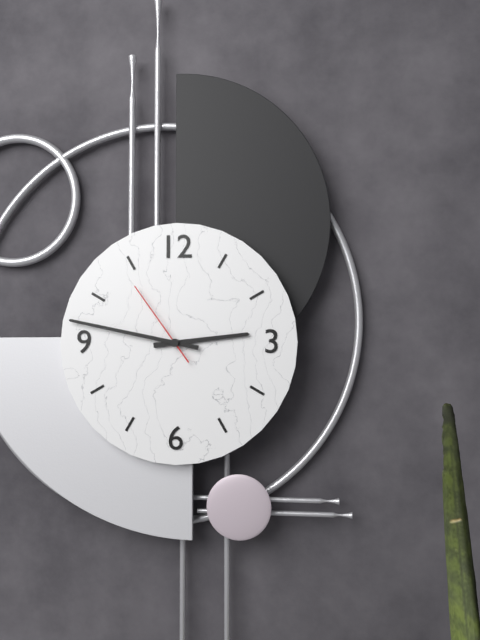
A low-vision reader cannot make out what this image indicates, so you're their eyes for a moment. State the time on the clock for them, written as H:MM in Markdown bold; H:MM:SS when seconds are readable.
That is **2:47:54**
